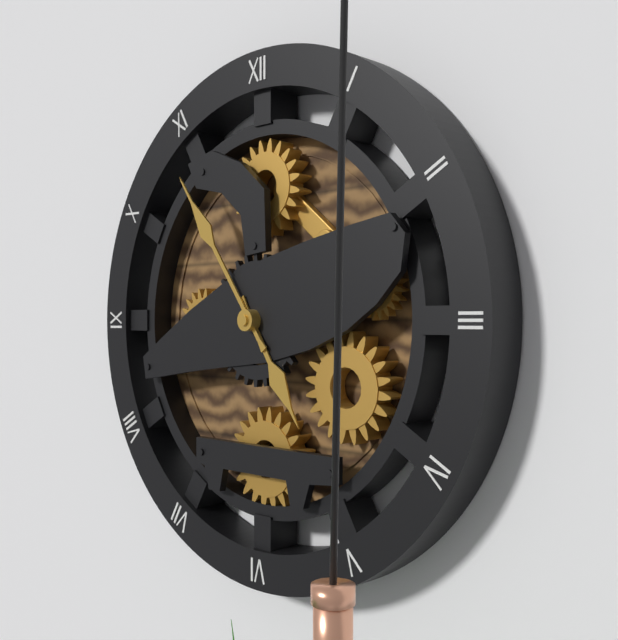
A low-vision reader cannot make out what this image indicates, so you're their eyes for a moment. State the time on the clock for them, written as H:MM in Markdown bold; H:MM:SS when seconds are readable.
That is **4:54**
